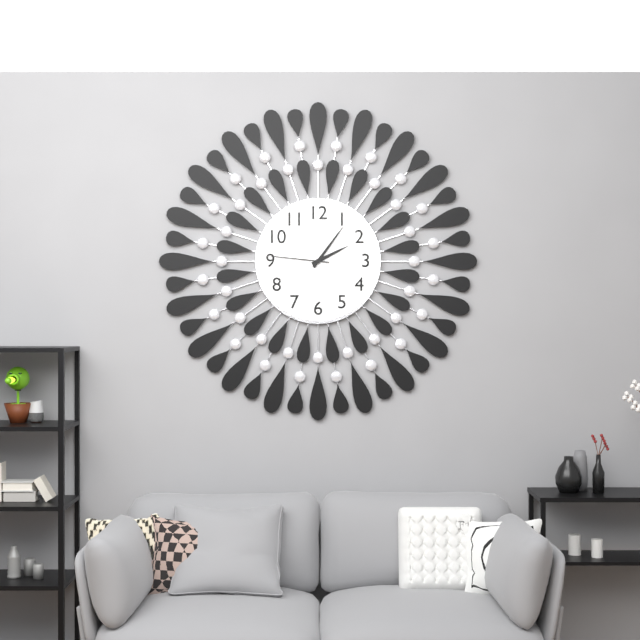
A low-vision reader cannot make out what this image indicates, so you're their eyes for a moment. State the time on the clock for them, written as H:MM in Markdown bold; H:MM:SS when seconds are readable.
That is **2:06:46**
